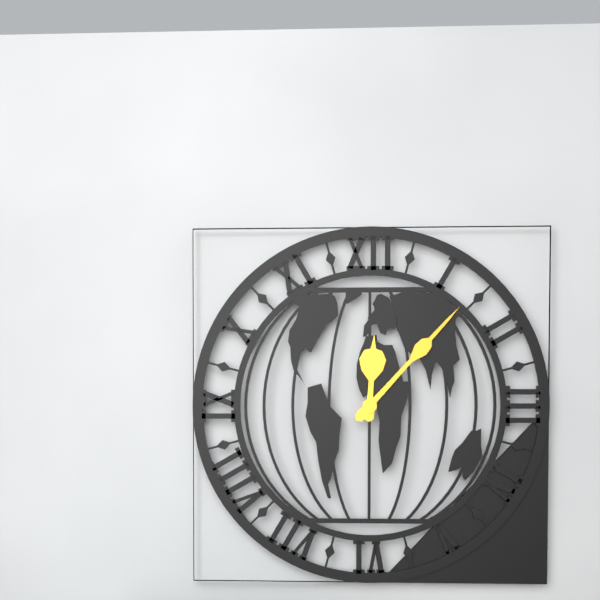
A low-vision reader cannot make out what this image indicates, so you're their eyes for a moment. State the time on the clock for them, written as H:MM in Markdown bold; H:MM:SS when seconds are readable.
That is **12:07**
